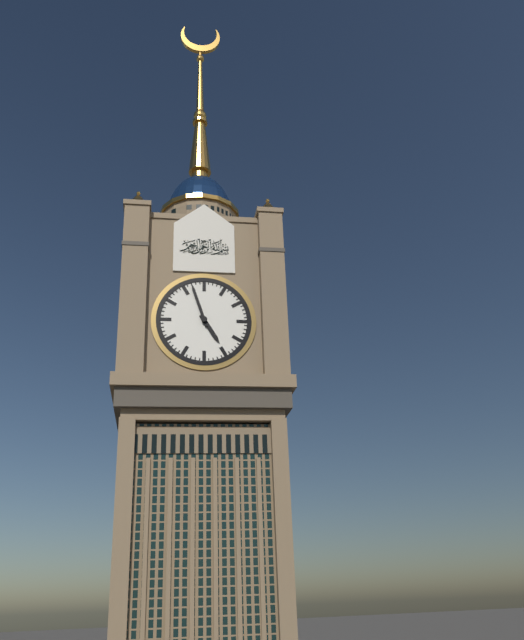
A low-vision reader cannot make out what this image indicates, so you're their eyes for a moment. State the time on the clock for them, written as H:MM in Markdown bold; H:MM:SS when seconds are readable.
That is **4:57**
